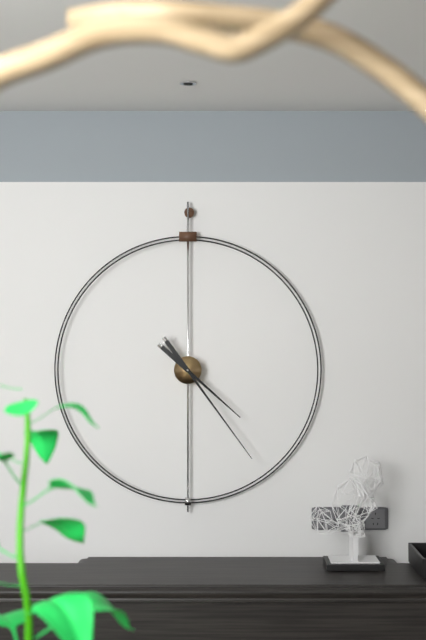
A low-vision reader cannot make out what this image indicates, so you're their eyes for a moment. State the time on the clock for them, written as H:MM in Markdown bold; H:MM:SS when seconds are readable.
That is **4:24**
